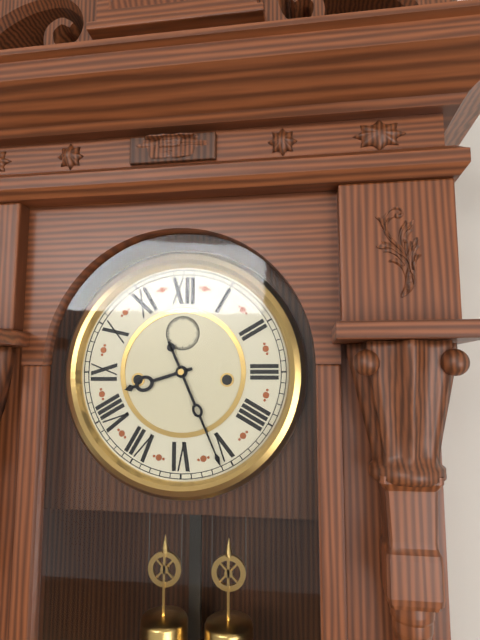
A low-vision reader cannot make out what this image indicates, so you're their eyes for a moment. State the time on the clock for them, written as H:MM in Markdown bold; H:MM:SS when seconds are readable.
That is **8:26**
